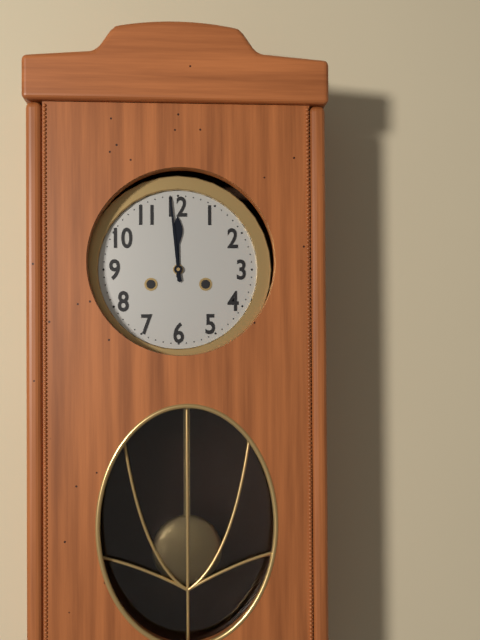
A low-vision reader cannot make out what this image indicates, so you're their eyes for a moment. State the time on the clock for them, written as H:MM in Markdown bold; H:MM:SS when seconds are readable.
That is **11:59**
